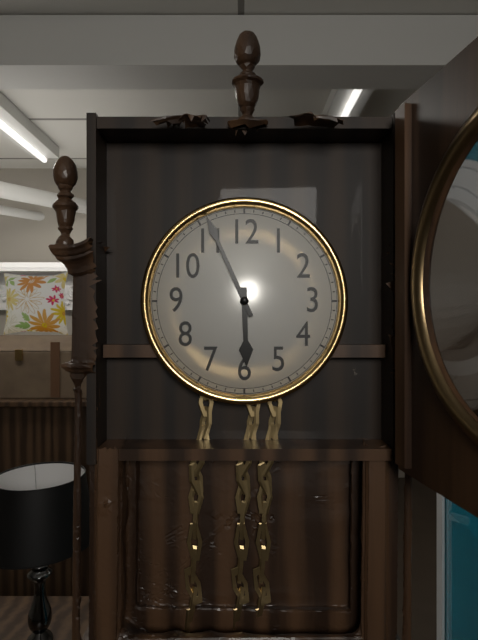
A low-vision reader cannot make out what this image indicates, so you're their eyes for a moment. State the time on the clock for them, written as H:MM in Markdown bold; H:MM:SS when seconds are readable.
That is **5:56**
